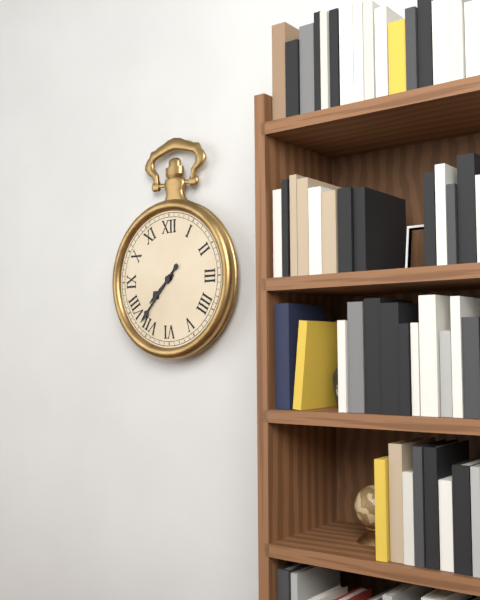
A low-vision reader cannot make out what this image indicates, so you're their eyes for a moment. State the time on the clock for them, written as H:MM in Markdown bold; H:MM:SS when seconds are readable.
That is **7:37**
